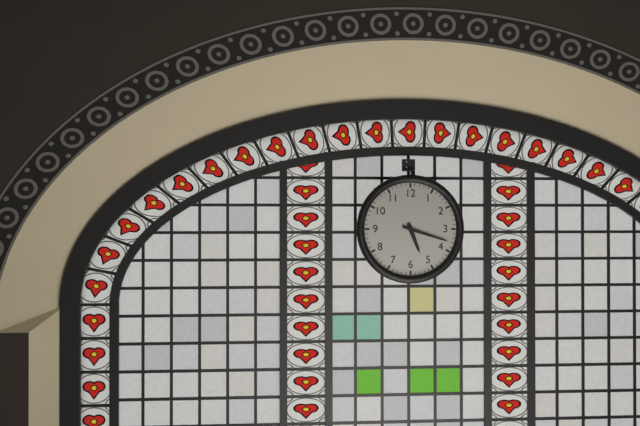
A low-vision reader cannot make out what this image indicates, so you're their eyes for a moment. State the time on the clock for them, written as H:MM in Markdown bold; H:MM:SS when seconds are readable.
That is **5:18**
